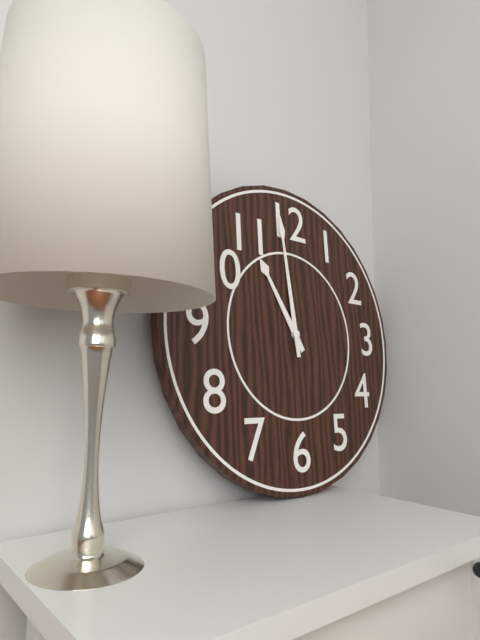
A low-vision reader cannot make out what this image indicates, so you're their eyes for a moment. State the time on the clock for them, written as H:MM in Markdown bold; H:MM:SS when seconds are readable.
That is **10:59**
